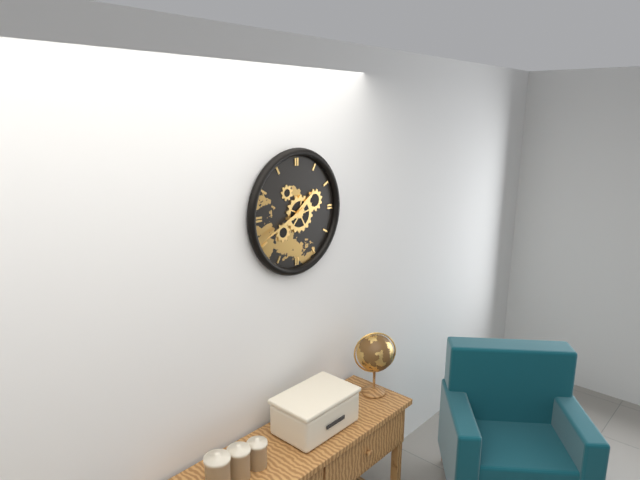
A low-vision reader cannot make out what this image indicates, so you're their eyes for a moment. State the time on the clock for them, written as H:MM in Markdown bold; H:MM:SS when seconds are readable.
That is **1:41**
